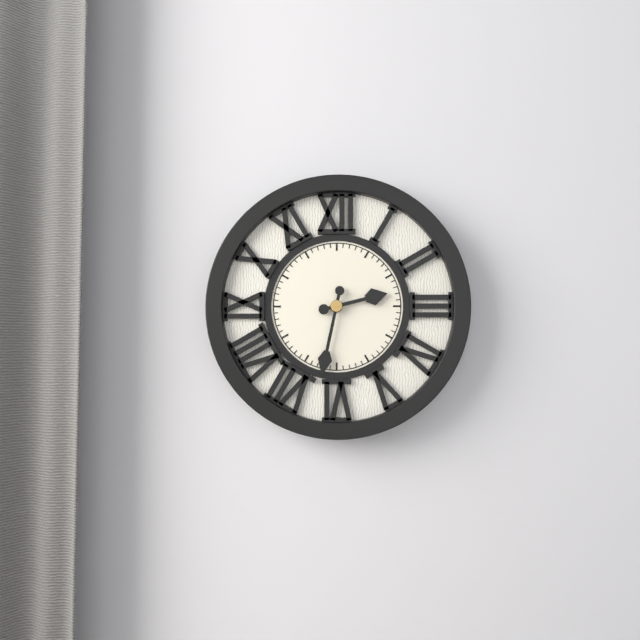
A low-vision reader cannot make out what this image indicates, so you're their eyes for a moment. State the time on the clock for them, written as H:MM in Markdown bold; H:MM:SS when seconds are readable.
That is **2:32**
